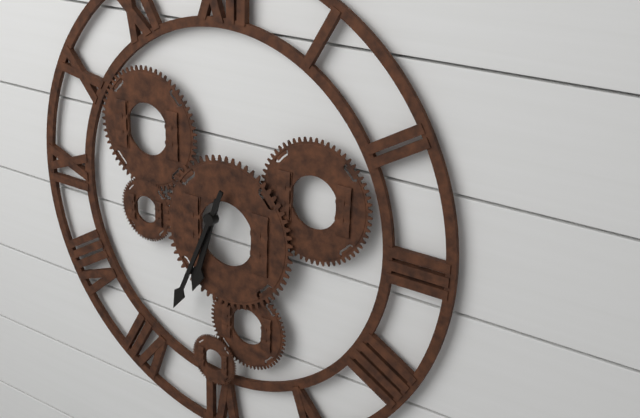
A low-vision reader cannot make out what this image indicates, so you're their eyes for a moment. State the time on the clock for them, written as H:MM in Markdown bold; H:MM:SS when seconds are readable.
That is **6:34**
